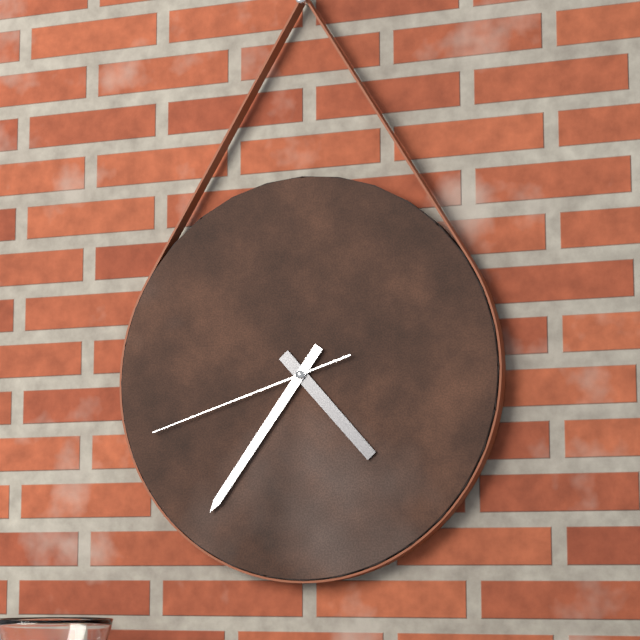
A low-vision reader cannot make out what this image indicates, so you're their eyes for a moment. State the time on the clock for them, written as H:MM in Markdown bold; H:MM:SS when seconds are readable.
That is **4:36:42**
